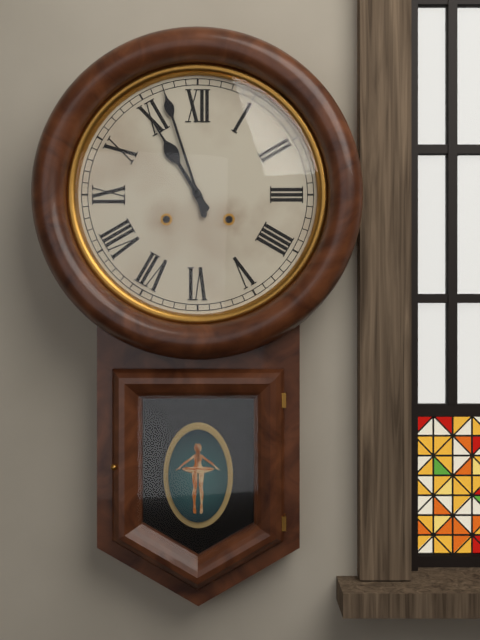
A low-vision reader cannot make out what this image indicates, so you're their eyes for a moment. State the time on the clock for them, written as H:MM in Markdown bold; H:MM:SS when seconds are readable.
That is **10:57**
